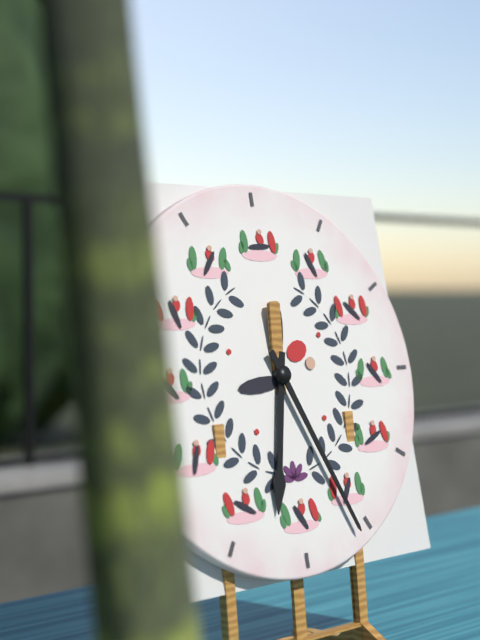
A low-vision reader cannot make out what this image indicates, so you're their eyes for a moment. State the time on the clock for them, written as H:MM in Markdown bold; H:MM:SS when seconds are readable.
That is **6:26**
